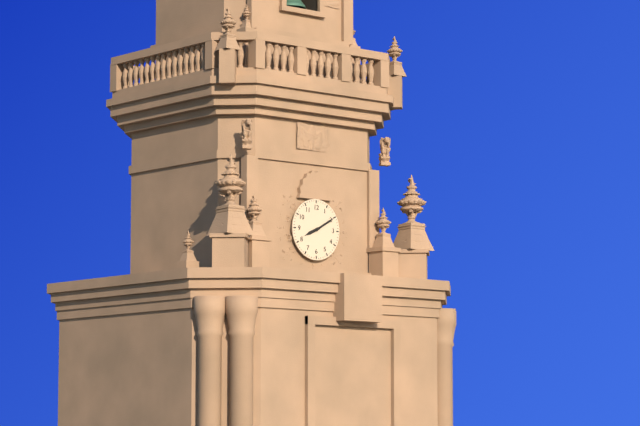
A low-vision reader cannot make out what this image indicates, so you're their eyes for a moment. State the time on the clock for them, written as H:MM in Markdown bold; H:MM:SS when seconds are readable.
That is **8:10**
